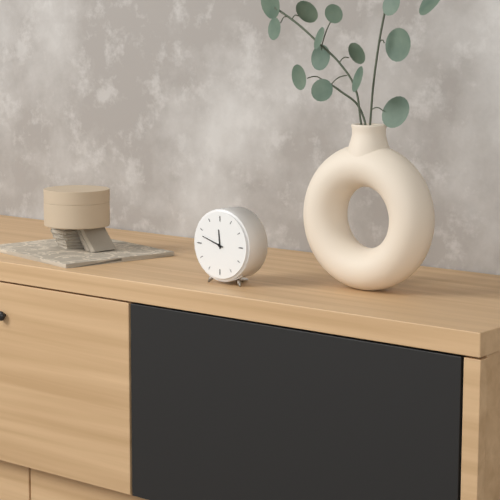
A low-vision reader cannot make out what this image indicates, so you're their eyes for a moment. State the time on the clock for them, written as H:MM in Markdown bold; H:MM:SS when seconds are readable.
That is **11:48**
